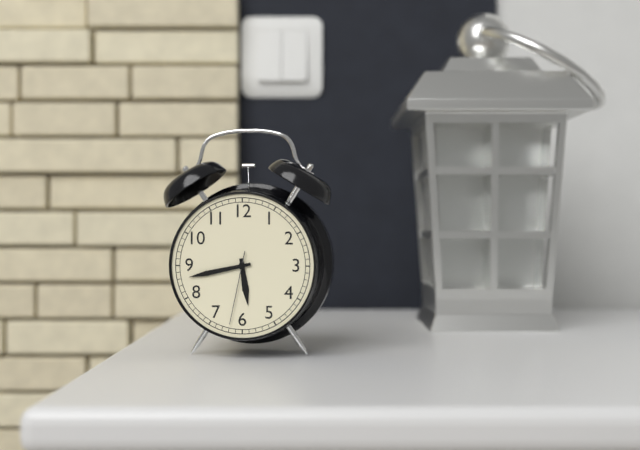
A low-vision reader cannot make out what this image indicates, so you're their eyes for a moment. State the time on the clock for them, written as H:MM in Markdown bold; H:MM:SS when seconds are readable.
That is **5:43:32**
